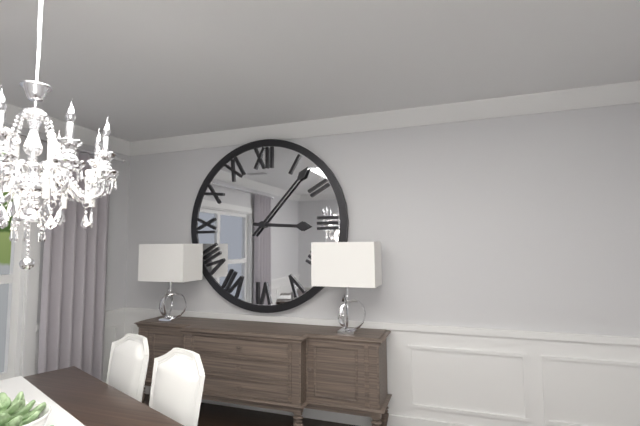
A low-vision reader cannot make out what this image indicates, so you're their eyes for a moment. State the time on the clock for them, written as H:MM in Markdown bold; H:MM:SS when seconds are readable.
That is **3:07**
